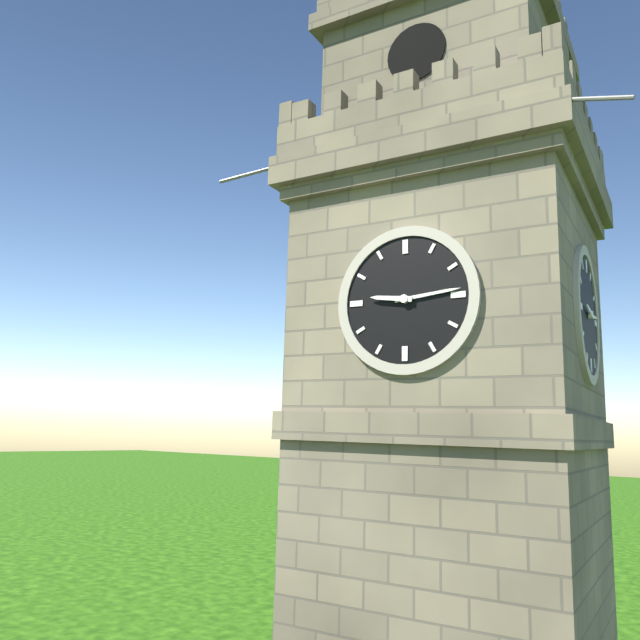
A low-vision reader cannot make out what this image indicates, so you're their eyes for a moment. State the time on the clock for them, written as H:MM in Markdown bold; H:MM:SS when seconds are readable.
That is **9:14**
